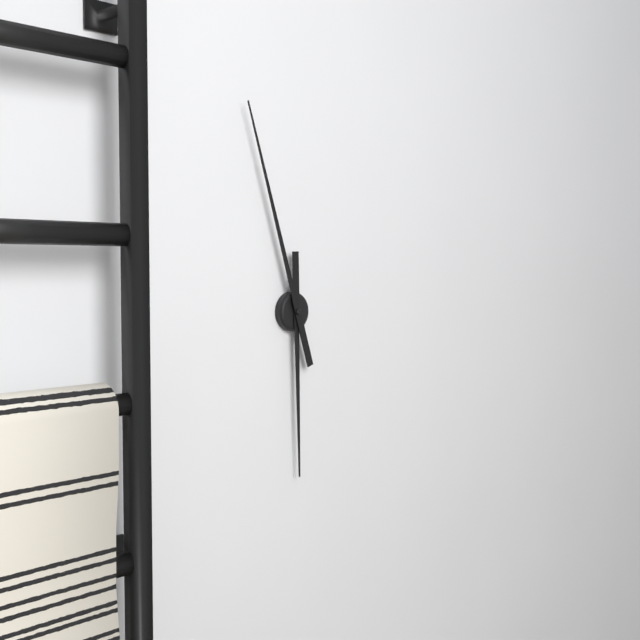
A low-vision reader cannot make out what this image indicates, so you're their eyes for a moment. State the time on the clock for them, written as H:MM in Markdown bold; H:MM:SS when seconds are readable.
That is **5:57**
